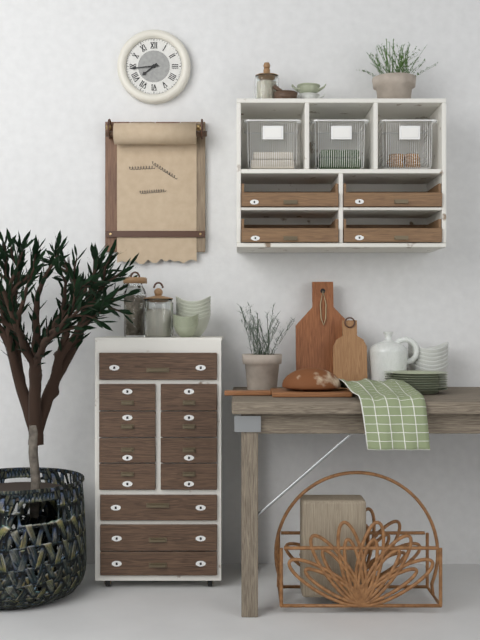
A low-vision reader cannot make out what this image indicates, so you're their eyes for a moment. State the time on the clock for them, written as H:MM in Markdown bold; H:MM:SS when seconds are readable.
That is **7:44**
